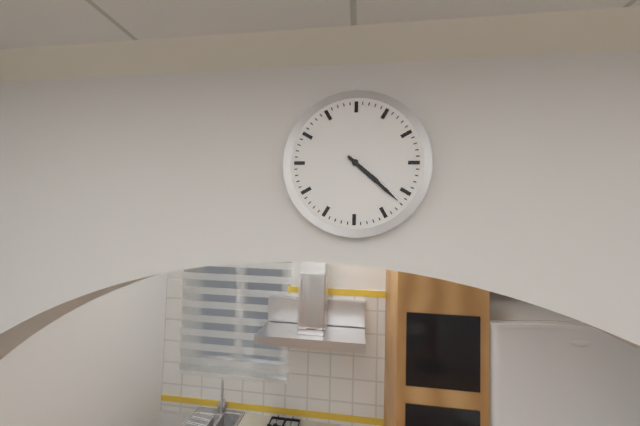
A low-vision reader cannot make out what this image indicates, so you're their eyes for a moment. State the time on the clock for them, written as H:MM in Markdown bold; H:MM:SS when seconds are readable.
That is **4:22**
